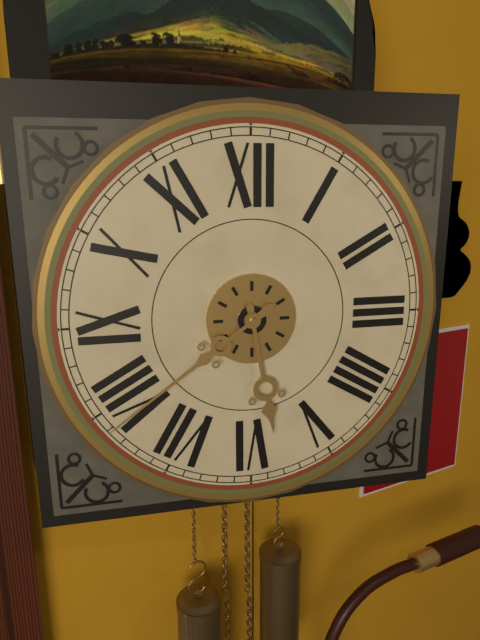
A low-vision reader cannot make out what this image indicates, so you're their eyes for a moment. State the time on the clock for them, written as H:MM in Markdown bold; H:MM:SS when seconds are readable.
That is **5:39**
